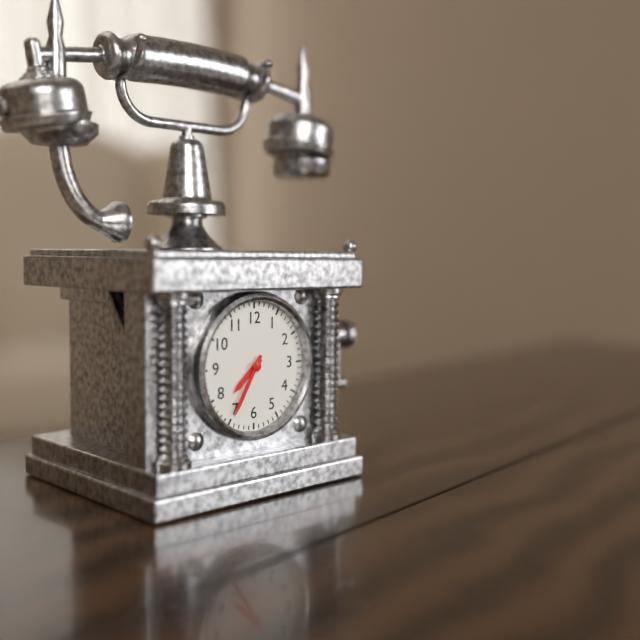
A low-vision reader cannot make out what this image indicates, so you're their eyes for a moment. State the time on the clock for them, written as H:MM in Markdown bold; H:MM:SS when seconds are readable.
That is **7:35**
